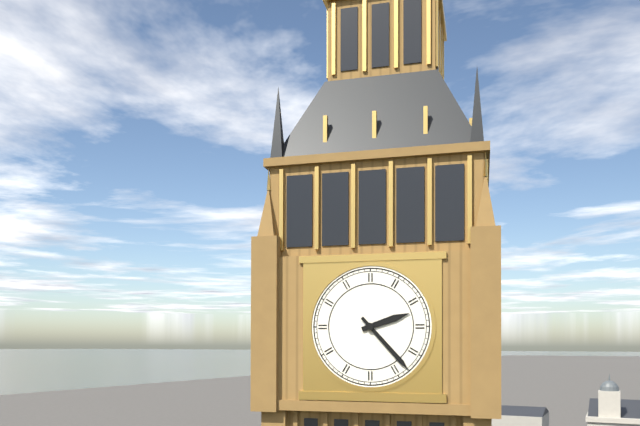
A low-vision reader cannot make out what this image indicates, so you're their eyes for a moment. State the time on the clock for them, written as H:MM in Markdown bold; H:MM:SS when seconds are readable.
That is **2:23**
